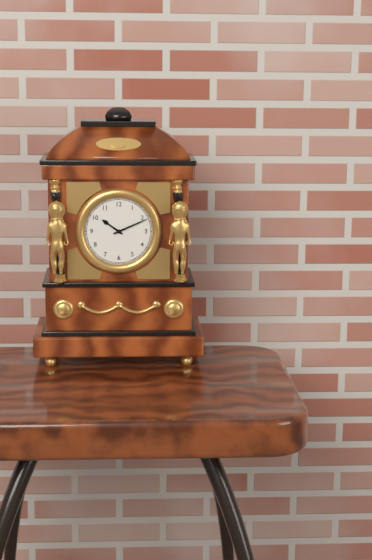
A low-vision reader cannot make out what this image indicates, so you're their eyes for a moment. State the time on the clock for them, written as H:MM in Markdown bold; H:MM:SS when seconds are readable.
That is **10:11**
